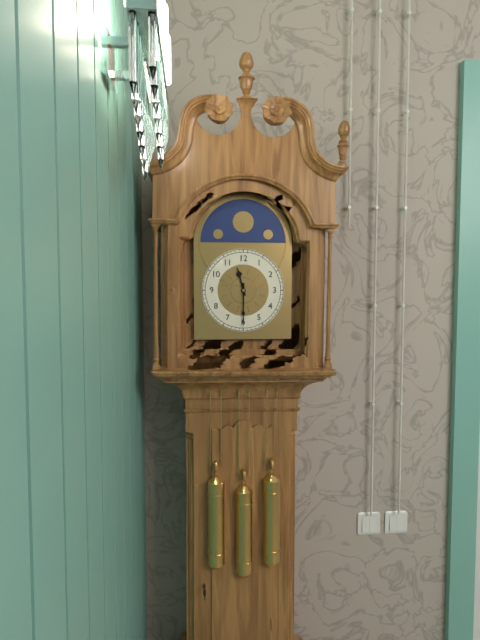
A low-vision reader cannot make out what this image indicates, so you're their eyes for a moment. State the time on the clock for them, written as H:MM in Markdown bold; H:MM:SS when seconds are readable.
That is **11:30**
